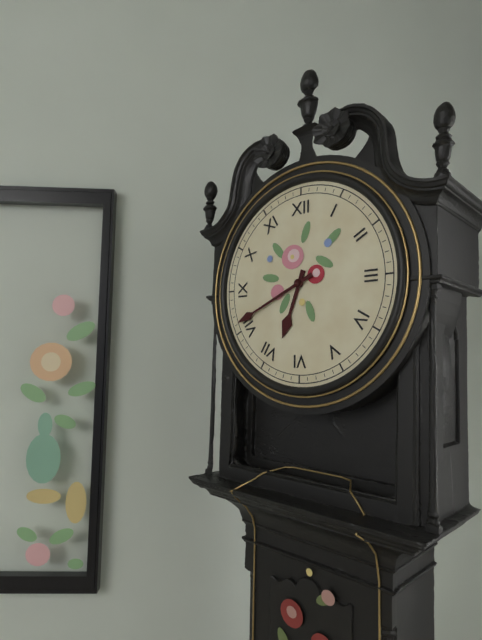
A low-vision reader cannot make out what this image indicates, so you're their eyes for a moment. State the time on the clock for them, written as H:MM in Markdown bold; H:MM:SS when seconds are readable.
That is **6:41**
